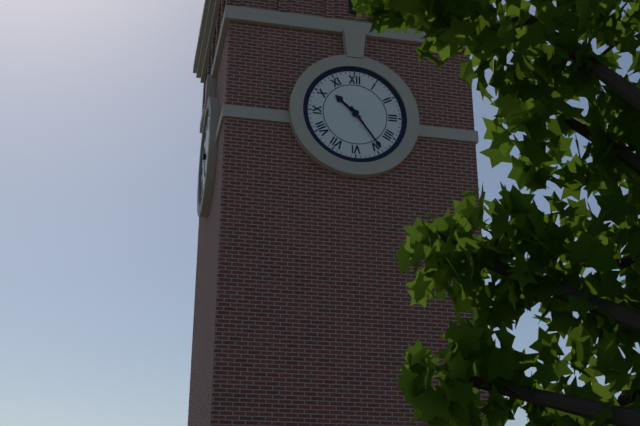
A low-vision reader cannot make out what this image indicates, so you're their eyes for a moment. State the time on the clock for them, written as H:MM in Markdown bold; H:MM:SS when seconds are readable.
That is **10:24**
